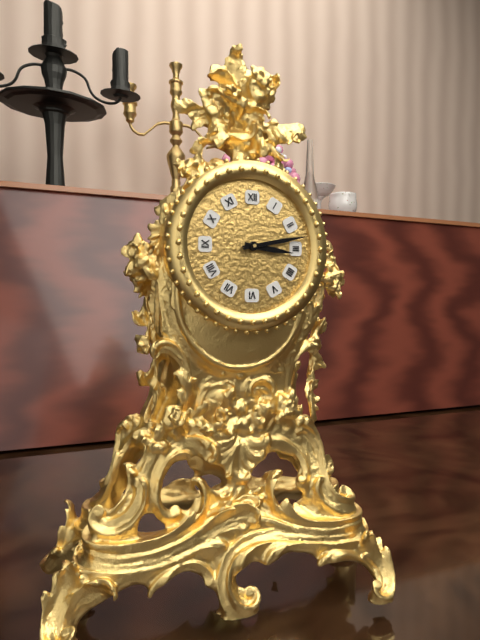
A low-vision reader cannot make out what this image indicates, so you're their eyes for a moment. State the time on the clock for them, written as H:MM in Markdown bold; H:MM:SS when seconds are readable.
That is **3:13**
